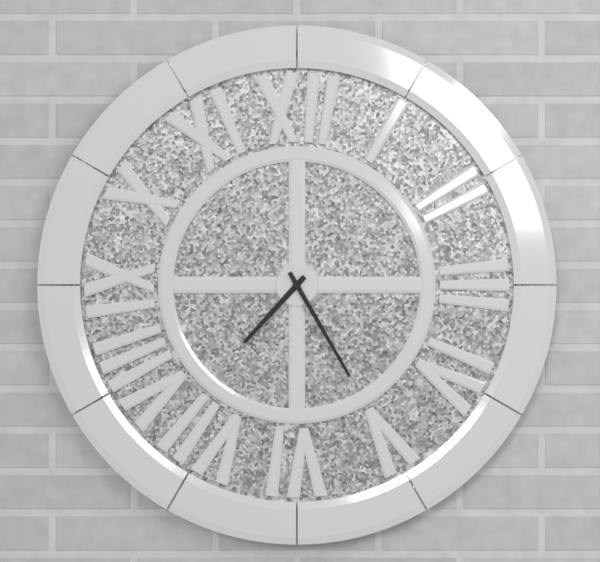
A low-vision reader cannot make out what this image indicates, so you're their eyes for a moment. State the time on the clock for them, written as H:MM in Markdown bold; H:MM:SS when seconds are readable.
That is **7:25**
